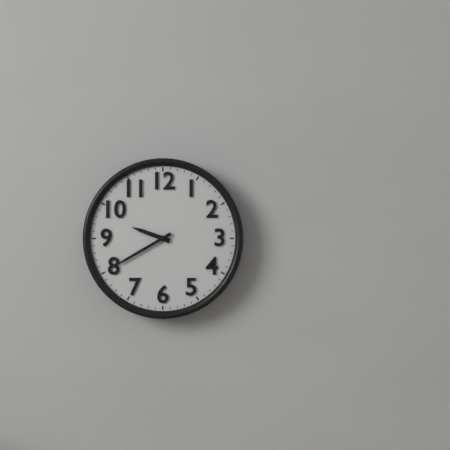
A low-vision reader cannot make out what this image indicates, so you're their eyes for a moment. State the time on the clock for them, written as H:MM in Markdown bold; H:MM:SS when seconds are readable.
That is **9:40**
